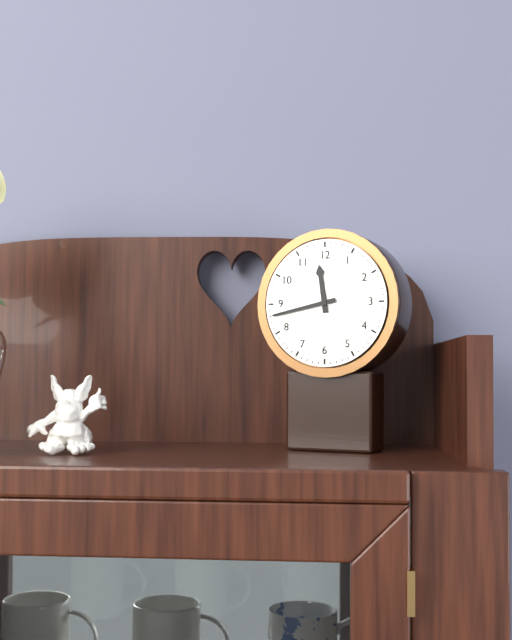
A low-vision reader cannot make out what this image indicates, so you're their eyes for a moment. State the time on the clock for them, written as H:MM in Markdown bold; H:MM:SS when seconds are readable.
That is **11:43**
